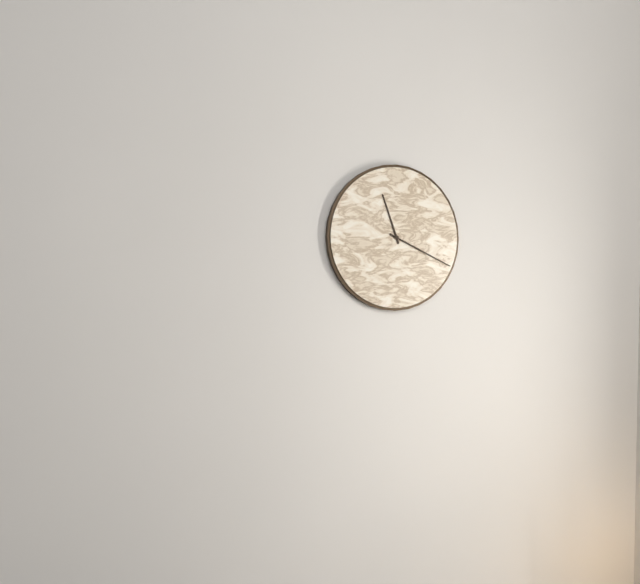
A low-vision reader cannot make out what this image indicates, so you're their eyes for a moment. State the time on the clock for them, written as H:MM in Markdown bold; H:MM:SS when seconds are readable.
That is **11:19**
